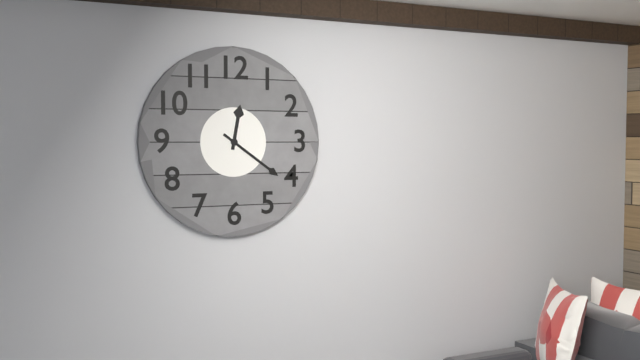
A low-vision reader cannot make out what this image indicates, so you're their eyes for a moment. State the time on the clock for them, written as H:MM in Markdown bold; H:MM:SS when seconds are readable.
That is **12:21**
